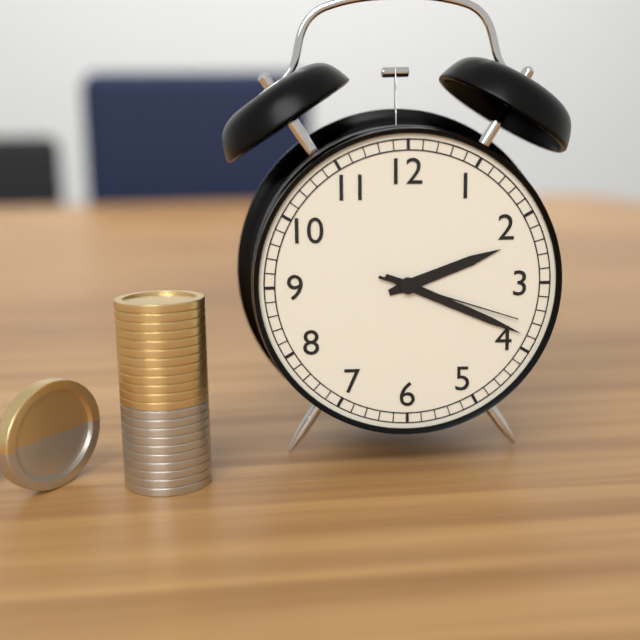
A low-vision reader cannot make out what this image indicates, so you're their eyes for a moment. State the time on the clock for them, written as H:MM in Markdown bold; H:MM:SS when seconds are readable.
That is **2:19:18**
